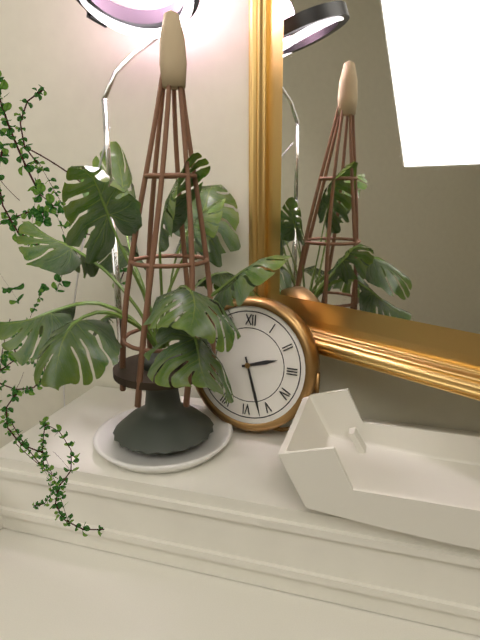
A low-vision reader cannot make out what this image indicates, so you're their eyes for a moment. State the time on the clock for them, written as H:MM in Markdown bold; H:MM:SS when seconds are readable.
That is **2:27**
